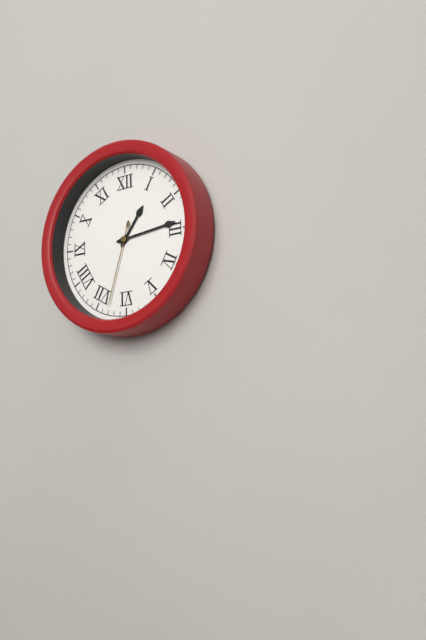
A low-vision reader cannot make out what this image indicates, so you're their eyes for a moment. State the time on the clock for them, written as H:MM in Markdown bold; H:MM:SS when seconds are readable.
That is **1:14:33**
